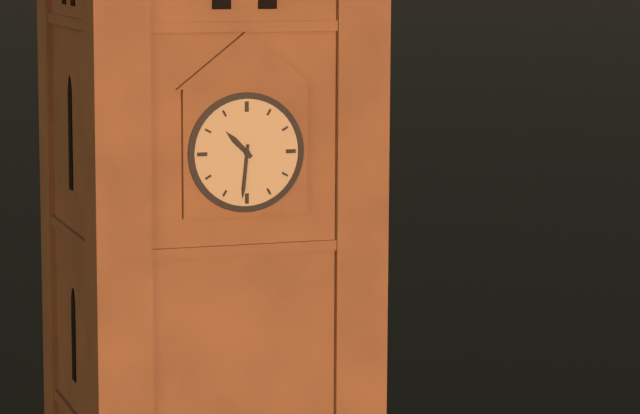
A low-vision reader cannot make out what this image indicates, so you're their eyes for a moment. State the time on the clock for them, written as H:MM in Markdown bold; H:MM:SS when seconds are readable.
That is **10:31**
